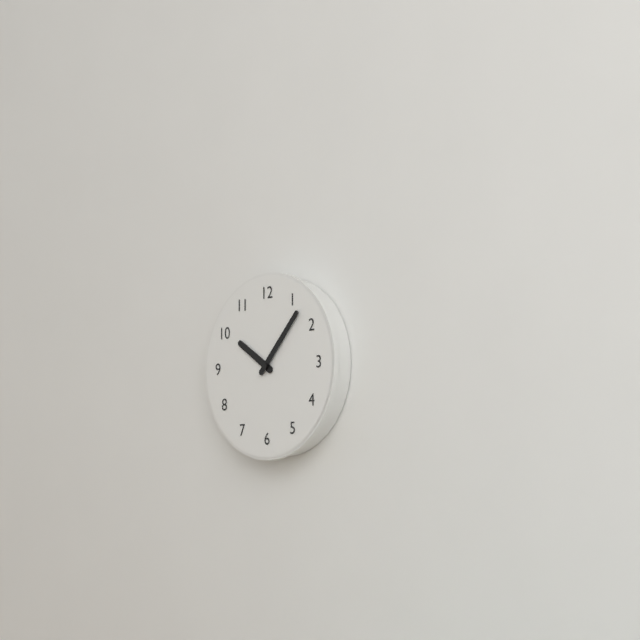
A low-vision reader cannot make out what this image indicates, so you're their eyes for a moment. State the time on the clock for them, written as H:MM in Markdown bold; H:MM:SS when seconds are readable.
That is **10:07**
